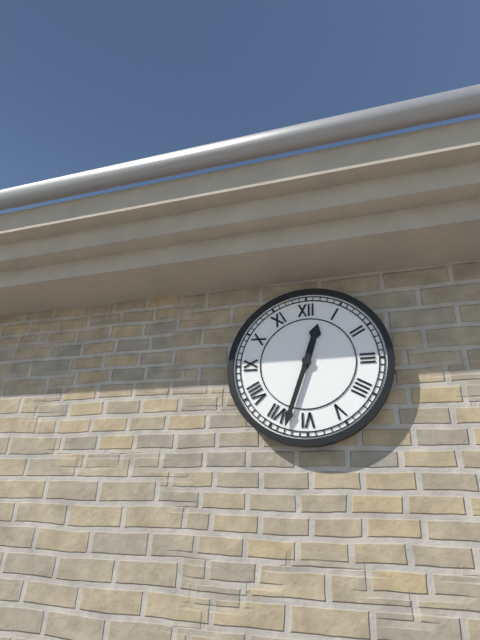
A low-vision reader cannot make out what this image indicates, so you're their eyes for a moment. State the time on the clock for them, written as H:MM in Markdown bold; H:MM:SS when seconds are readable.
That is **12:33**
